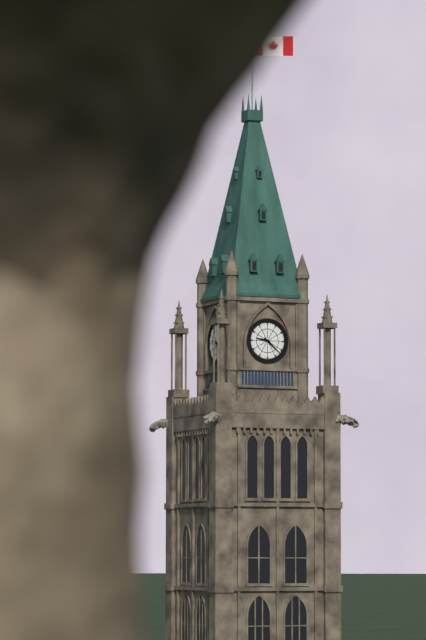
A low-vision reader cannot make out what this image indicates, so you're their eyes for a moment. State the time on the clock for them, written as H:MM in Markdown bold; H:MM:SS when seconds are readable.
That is **9:22**
